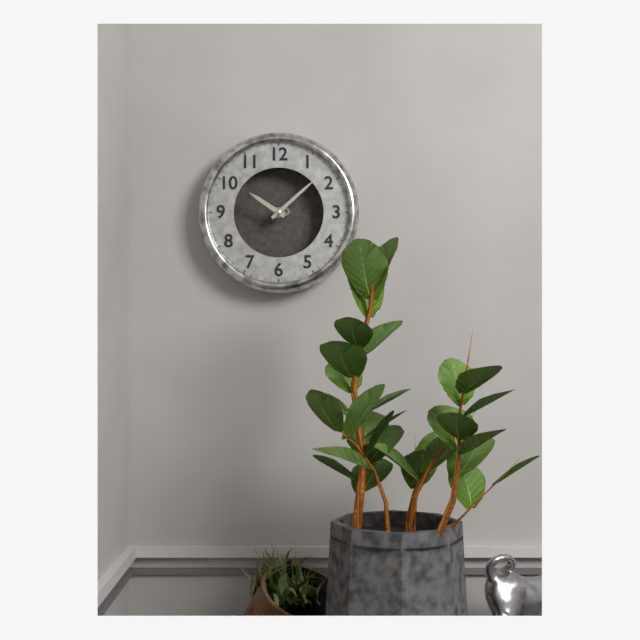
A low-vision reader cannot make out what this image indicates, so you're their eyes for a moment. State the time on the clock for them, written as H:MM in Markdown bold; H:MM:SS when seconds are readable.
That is **10:08**
